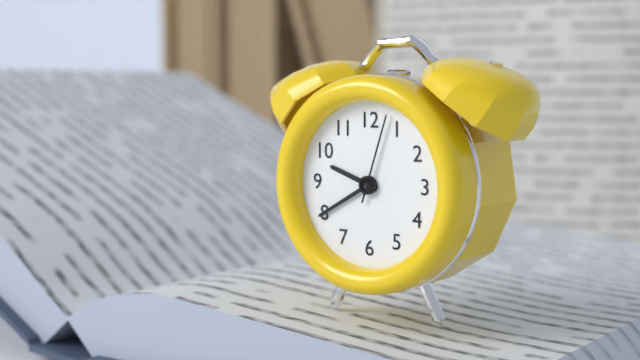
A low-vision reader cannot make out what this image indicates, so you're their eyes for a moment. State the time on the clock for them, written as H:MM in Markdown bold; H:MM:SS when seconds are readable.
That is **9:40:03**
